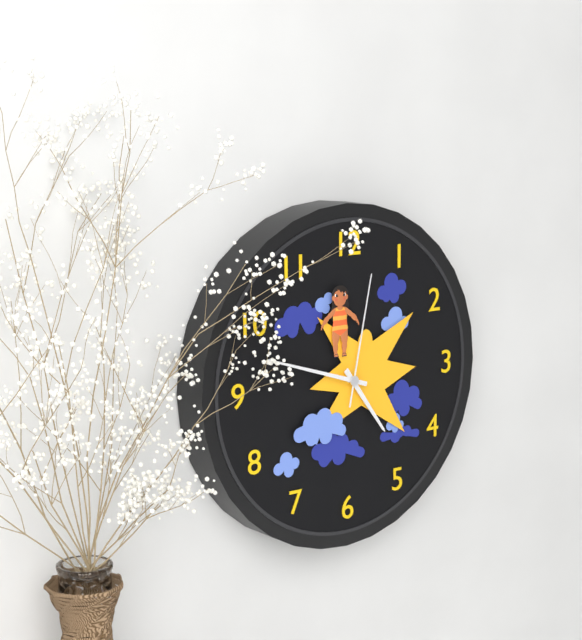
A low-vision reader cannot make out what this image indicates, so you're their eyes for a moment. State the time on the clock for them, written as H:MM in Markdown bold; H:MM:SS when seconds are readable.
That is **4:48:02**
